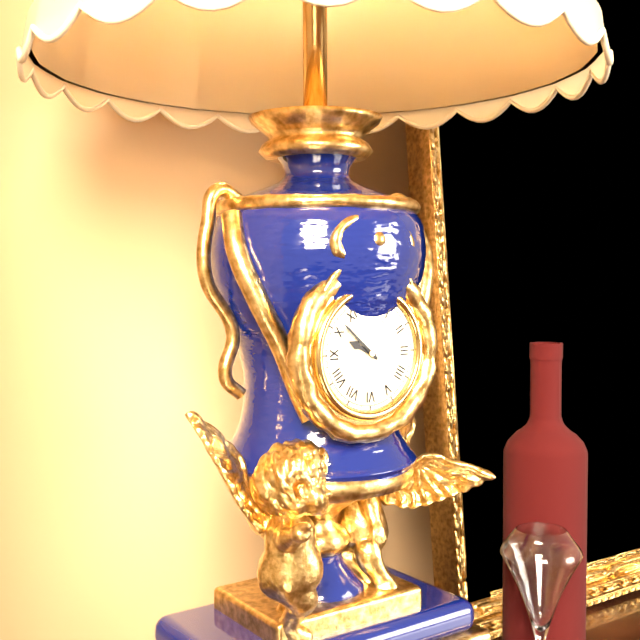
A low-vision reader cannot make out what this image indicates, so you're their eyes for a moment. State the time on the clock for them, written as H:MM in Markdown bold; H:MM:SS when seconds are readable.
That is **9:52**
